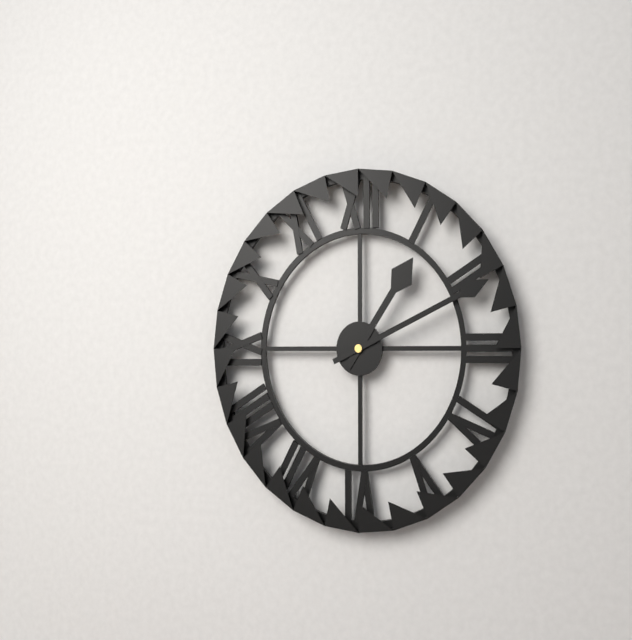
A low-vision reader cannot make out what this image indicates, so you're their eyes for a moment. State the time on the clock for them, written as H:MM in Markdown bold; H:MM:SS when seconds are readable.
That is **1:11**
